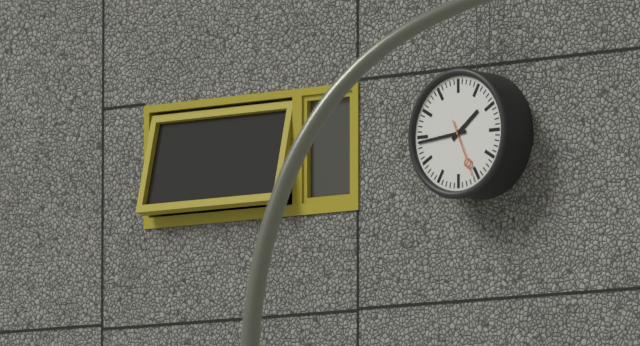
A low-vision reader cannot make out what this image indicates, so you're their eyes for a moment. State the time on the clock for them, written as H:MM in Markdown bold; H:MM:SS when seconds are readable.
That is **1:44:26**
